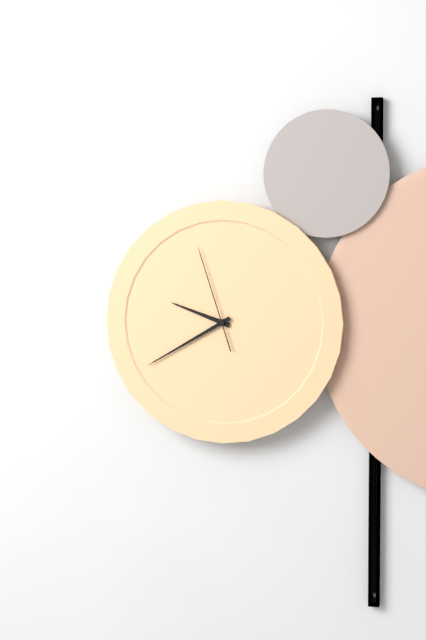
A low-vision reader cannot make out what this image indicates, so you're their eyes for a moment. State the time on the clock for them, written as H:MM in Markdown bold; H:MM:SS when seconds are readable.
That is **9:40:57**
